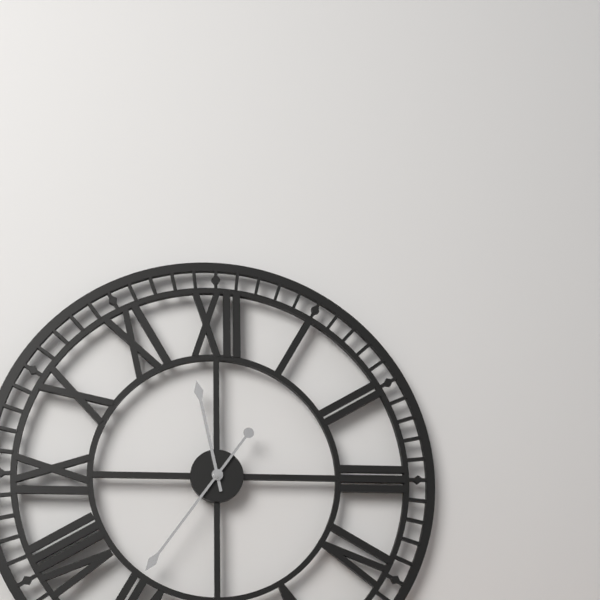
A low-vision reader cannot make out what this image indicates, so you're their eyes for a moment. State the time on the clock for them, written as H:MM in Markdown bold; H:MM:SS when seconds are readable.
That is **11:36**
